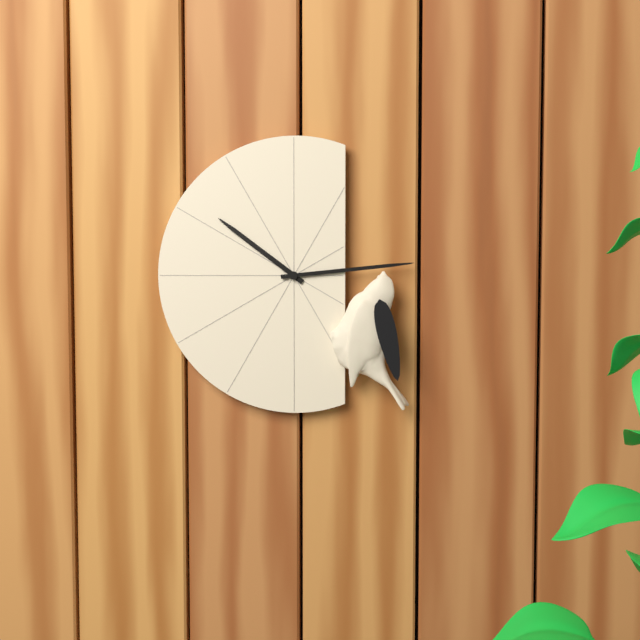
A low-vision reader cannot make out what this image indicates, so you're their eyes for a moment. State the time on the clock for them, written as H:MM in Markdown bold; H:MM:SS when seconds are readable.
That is **10:14**
